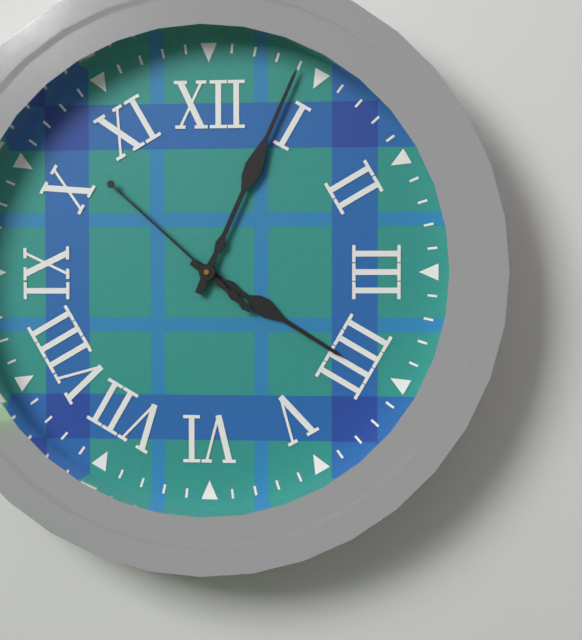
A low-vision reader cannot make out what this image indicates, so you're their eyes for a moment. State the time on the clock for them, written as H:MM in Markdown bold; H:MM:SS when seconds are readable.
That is **4:04:52**
